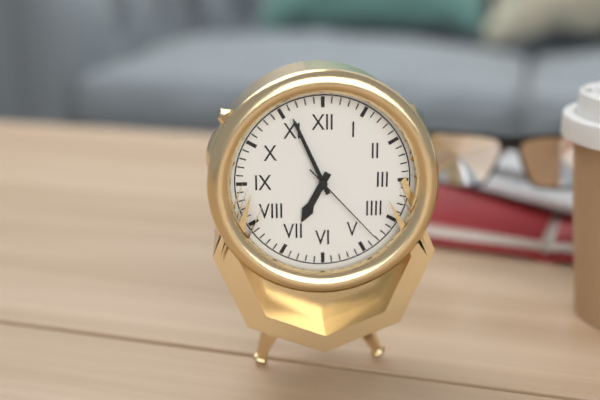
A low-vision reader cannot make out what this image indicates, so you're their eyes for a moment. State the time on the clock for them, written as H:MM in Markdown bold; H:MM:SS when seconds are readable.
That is **6:56:23**
